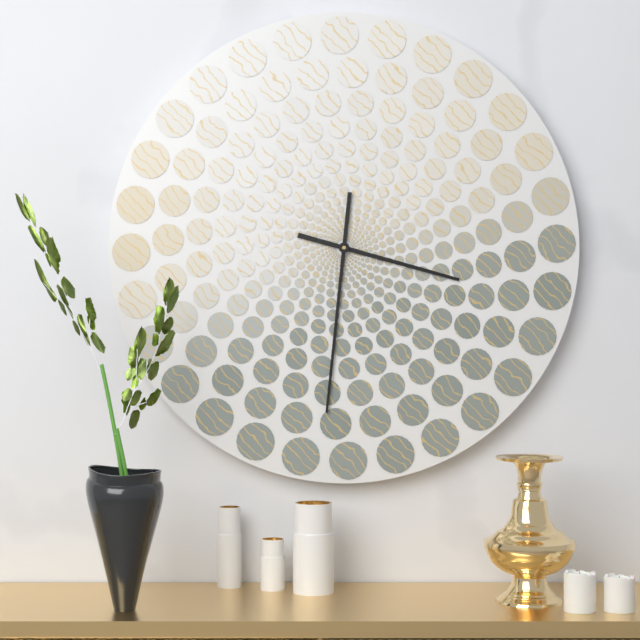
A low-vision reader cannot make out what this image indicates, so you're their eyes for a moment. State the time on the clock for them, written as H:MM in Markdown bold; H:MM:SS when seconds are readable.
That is **3:31**
